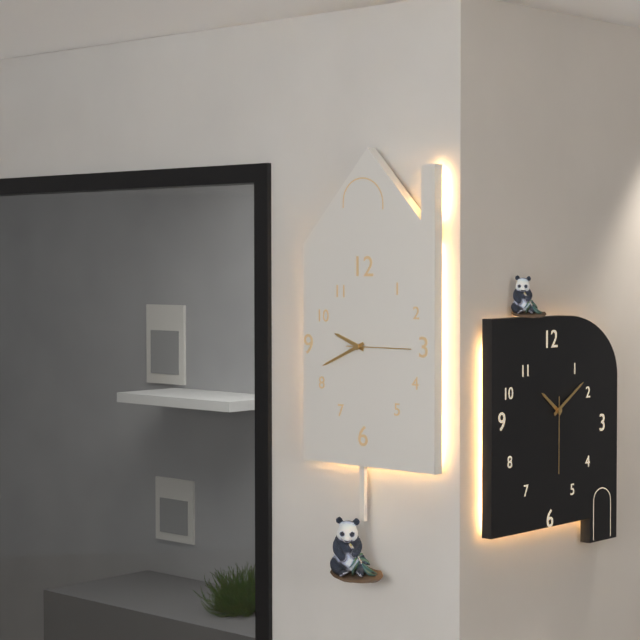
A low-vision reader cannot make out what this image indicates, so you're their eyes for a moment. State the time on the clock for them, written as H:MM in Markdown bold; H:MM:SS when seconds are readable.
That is **9:41:15**
